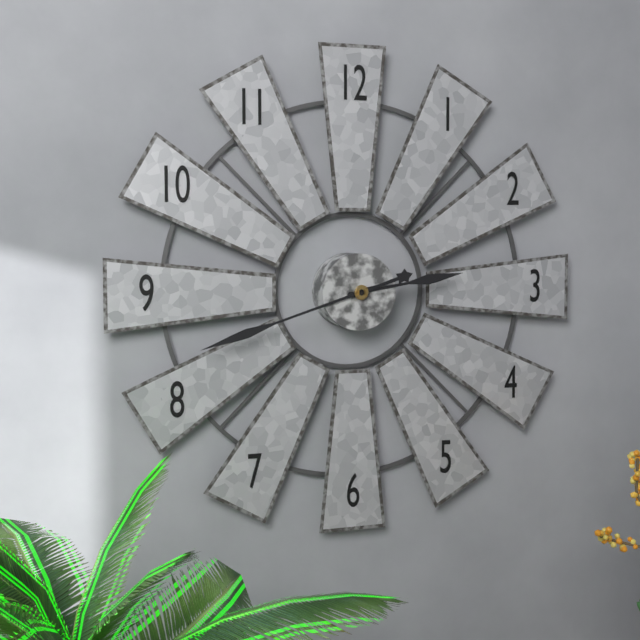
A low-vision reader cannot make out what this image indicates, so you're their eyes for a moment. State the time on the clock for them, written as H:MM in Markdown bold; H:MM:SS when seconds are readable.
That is **2:42**
